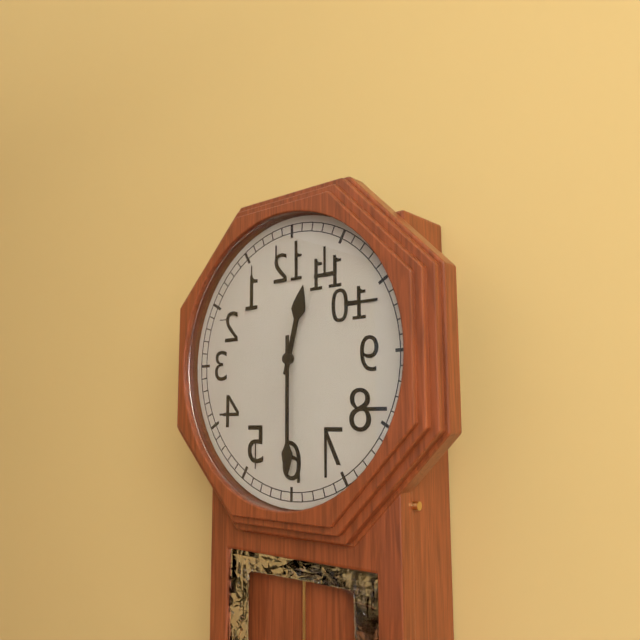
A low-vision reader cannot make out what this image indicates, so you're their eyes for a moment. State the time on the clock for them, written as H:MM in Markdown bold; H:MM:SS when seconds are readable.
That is **12:30**
